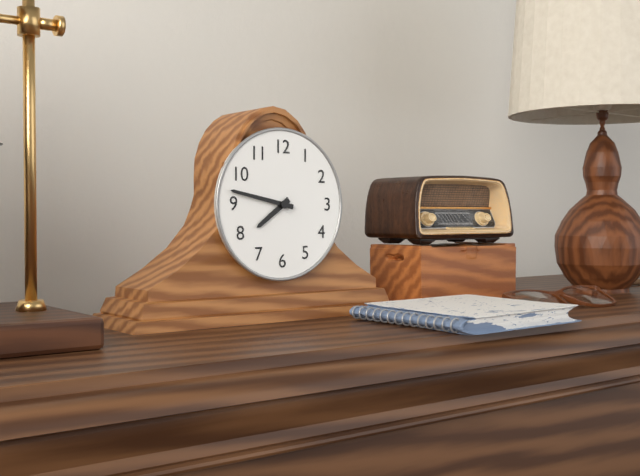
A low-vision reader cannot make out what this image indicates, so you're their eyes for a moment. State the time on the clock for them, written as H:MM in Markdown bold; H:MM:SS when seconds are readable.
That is **7:47**
